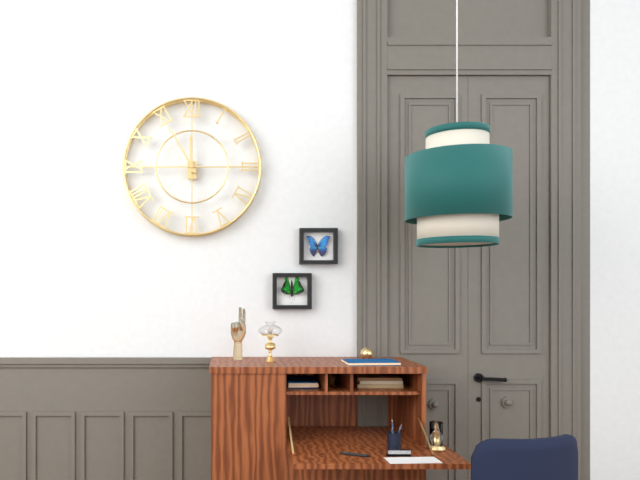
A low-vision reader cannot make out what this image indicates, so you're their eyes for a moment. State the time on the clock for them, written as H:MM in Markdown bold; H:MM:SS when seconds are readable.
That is **11:55**
